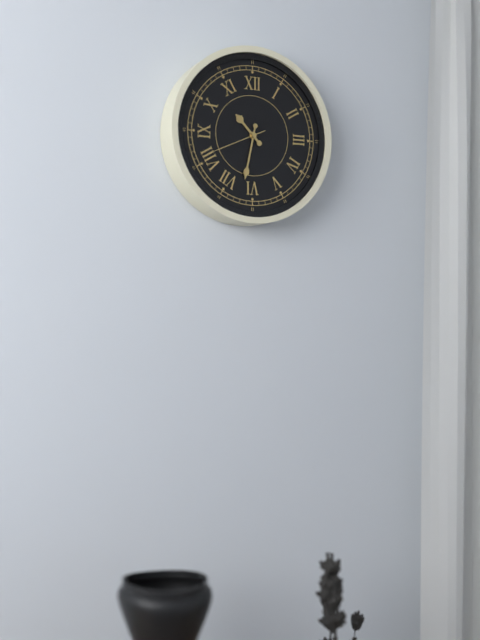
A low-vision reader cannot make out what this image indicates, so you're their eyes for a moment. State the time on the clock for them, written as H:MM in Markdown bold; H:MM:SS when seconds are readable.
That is **10:32:41**
